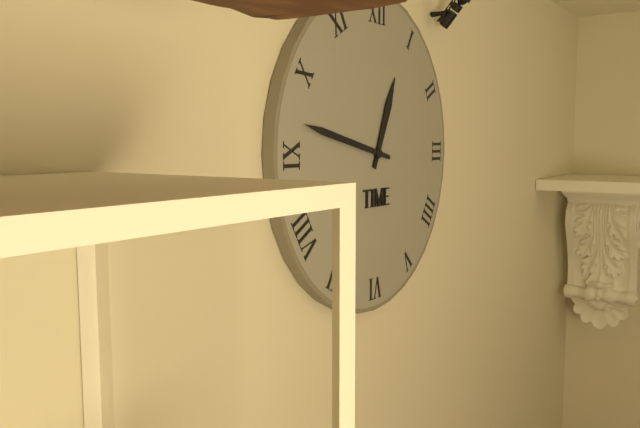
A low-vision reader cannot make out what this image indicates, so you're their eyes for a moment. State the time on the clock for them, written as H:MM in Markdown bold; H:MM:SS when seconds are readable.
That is **12:47**
